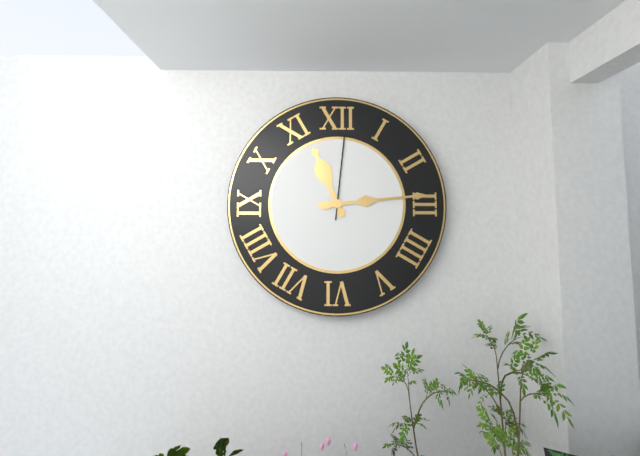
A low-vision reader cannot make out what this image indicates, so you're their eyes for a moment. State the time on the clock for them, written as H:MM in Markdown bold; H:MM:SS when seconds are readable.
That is **11:14:01**
